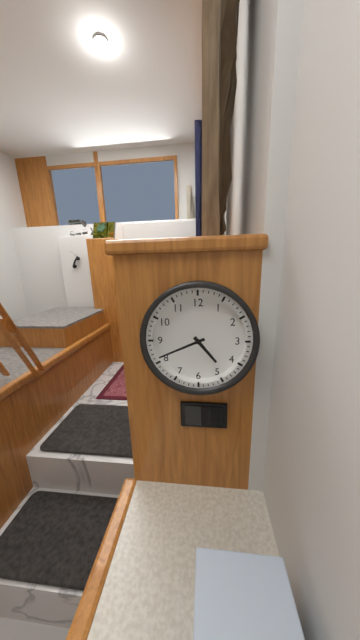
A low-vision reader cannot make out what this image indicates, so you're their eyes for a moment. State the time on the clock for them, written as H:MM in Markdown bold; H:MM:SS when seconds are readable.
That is **4:41**
